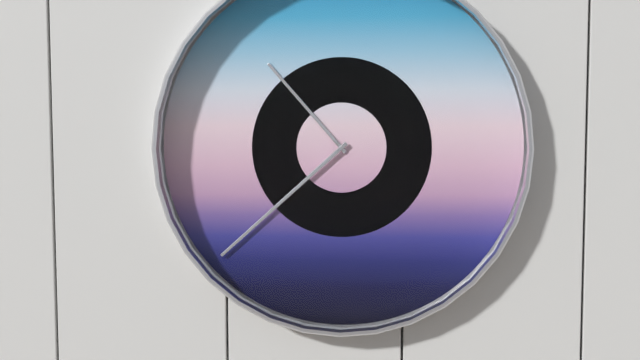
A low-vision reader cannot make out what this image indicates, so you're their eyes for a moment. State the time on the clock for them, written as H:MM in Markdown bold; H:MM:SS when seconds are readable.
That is **10:38**
